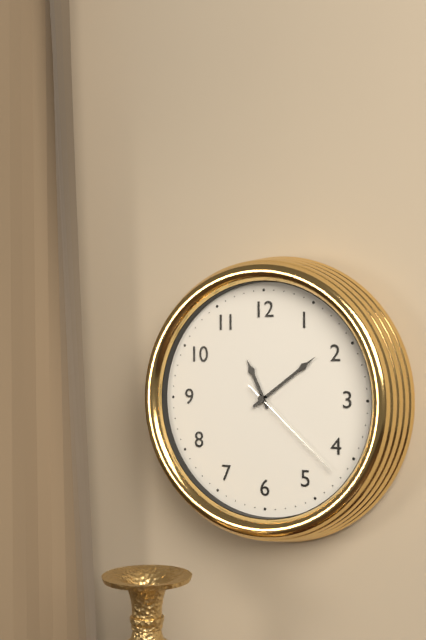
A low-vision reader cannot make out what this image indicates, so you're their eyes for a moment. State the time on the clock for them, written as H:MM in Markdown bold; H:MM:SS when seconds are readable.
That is **11:09:22**
